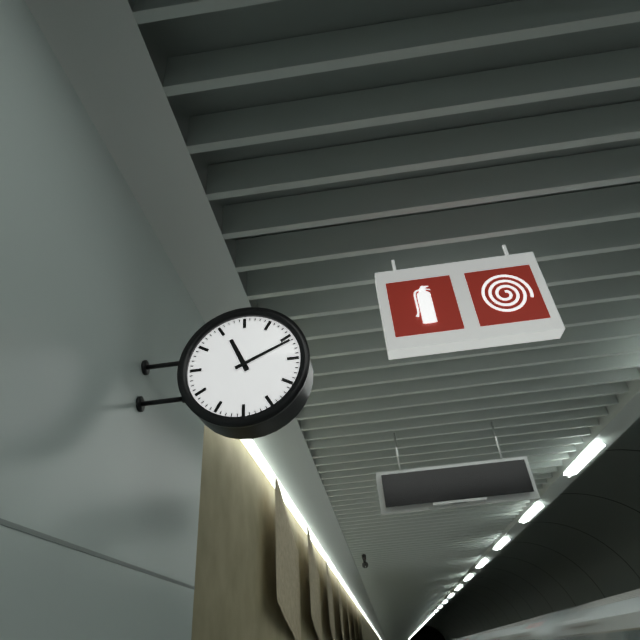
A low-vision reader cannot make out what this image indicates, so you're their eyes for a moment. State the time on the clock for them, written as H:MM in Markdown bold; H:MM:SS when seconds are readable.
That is **11:11**
